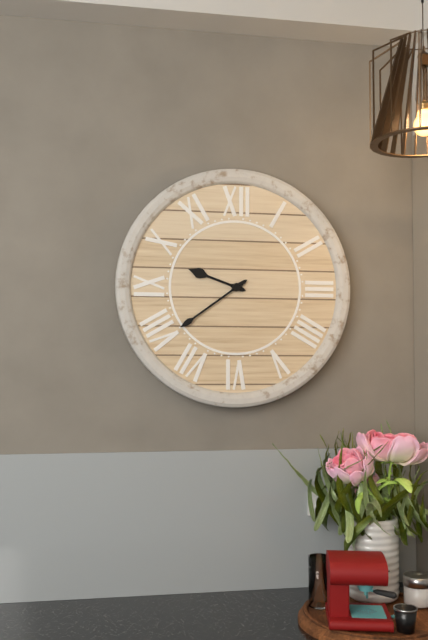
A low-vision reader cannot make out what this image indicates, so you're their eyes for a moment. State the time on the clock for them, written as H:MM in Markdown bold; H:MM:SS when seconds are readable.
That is **9:39**
